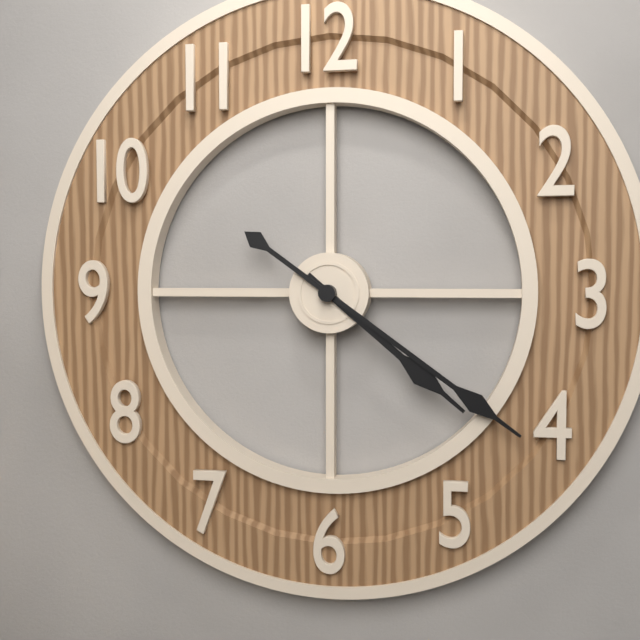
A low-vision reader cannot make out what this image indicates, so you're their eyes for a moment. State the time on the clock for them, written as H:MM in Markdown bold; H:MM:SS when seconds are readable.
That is **4:21**
